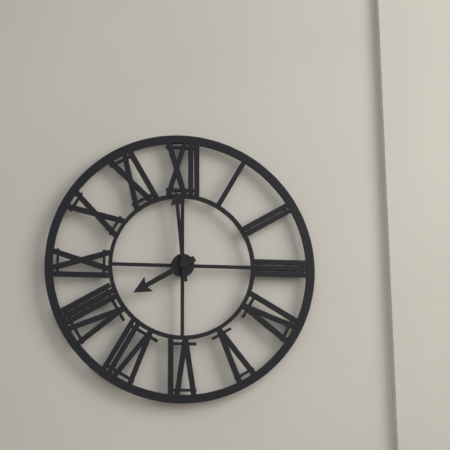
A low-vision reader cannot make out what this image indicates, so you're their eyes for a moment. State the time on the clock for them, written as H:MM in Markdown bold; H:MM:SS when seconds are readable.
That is **7:59**
